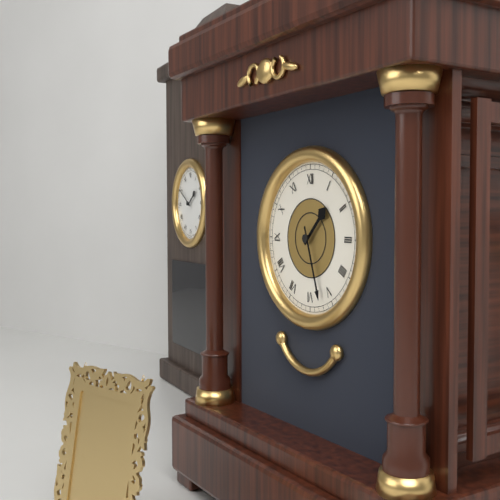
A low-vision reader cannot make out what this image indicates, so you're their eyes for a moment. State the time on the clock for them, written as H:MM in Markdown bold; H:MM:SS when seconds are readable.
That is **1:27**
